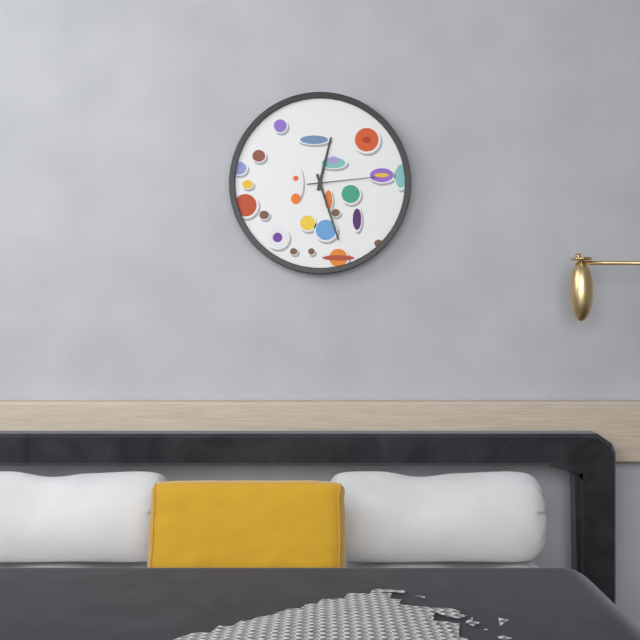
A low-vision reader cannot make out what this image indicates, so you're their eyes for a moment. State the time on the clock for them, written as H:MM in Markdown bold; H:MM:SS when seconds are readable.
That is **12:27:14**
